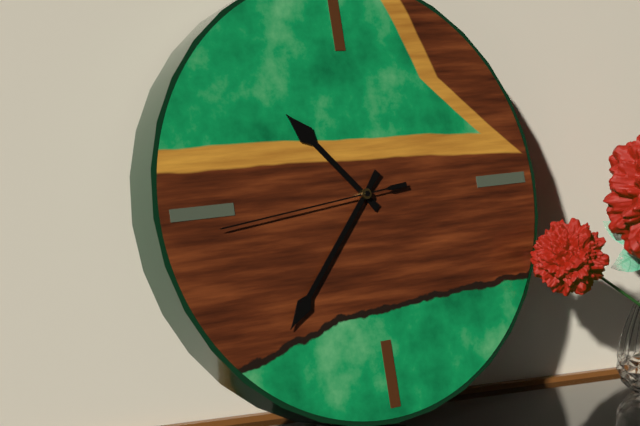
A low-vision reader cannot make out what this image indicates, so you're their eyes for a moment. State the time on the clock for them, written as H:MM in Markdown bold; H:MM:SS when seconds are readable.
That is **10:37:44**
